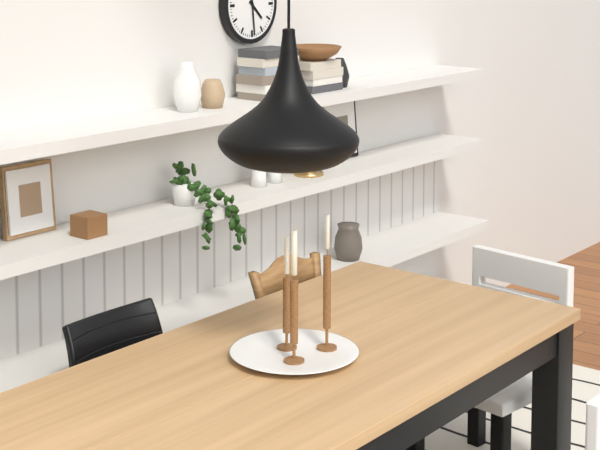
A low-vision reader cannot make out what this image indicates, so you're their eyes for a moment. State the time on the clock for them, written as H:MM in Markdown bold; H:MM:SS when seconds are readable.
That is **4:29**
